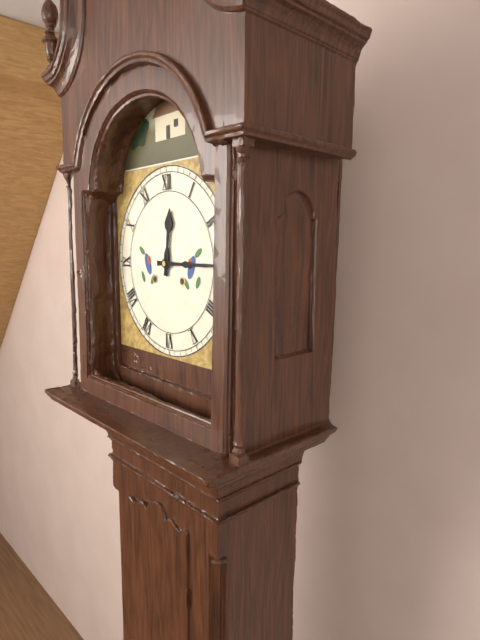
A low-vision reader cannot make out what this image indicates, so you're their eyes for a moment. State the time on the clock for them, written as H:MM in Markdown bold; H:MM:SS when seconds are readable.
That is **12:15**
